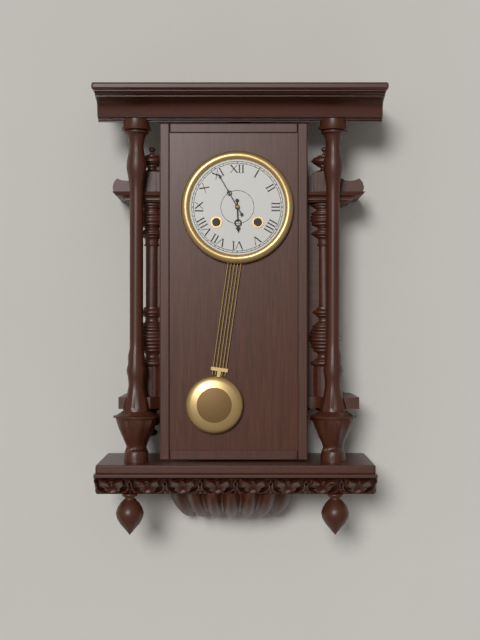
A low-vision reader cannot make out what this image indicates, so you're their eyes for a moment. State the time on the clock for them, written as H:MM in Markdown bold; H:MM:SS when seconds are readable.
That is **5:55**
